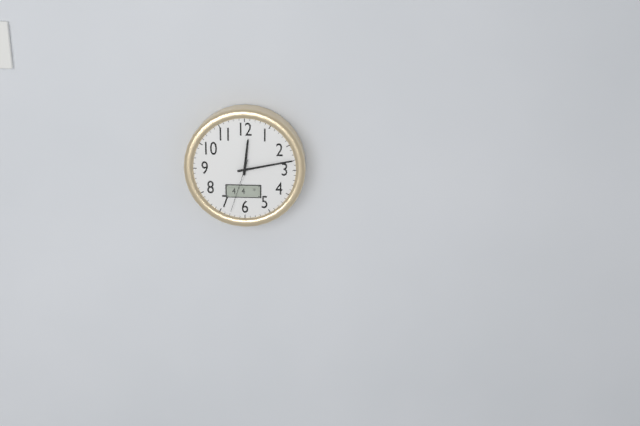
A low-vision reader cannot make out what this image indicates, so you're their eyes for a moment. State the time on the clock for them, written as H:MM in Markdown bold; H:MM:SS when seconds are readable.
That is **12:13:33**
